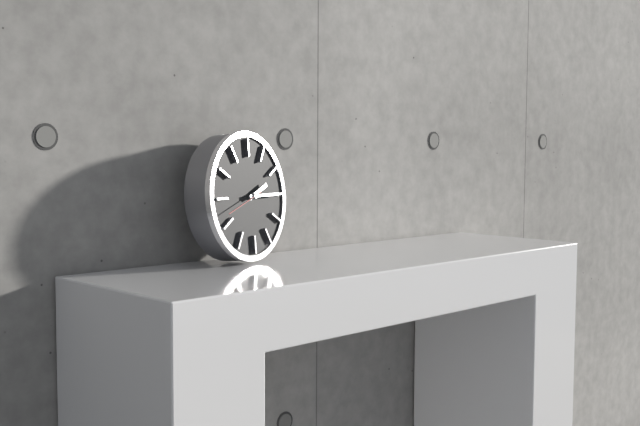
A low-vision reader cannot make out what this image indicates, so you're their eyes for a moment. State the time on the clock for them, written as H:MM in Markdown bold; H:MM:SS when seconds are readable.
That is **2:15**
